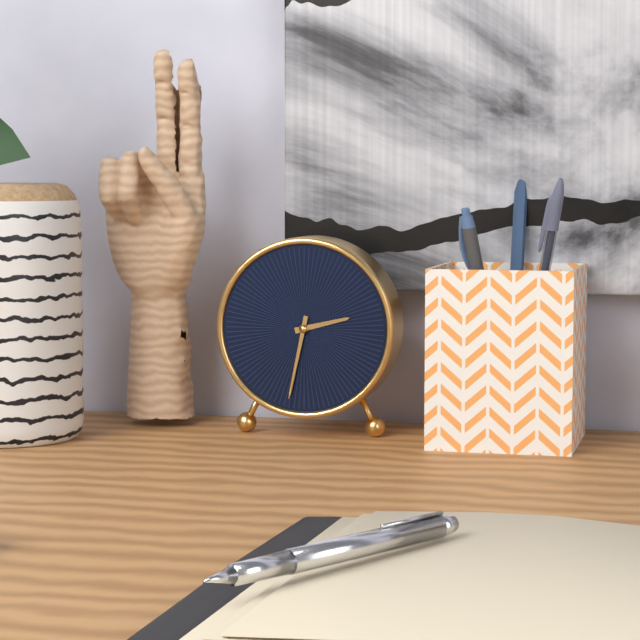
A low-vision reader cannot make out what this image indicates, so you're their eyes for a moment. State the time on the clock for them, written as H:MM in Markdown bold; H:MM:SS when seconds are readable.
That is **2:32**
